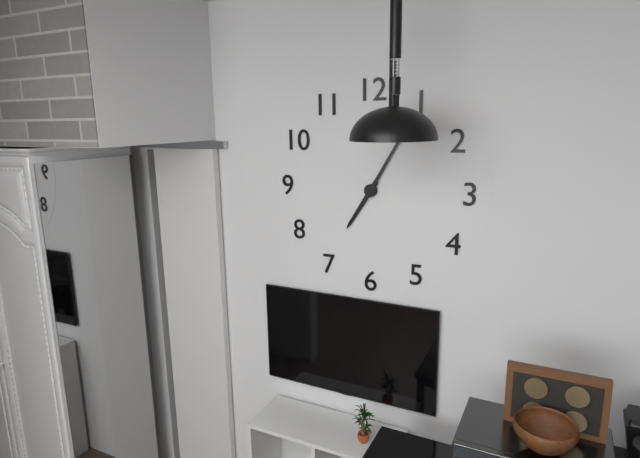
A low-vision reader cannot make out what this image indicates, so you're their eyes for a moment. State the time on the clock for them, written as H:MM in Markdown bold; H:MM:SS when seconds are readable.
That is **7:05**
